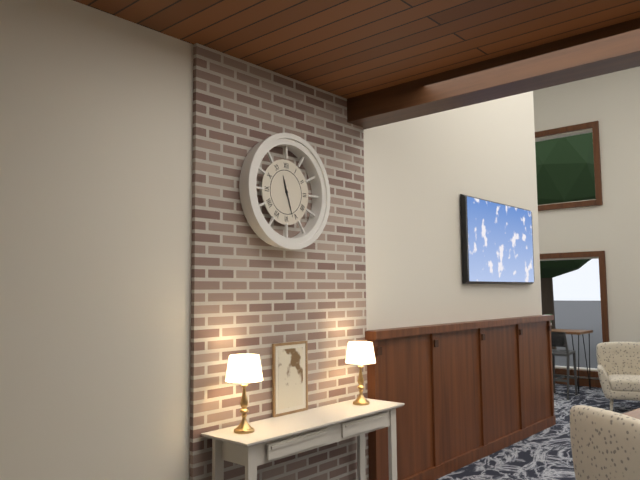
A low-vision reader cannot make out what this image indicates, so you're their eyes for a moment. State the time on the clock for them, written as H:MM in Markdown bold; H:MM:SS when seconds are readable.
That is **11:27**
